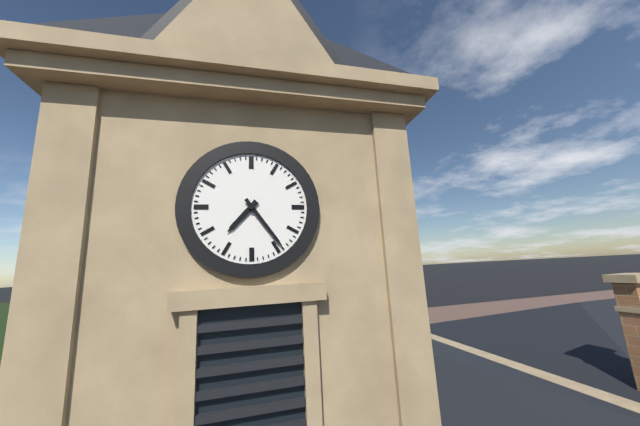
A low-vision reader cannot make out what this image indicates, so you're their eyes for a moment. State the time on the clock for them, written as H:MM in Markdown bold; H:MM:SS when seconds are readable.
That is **7:24**
